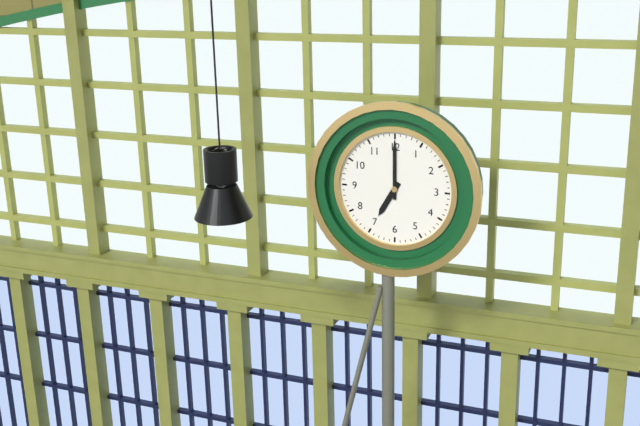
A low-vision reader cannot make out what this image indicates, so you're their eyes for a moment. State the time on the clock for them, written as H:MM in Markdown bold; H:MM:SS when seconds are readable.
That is **7:00**
